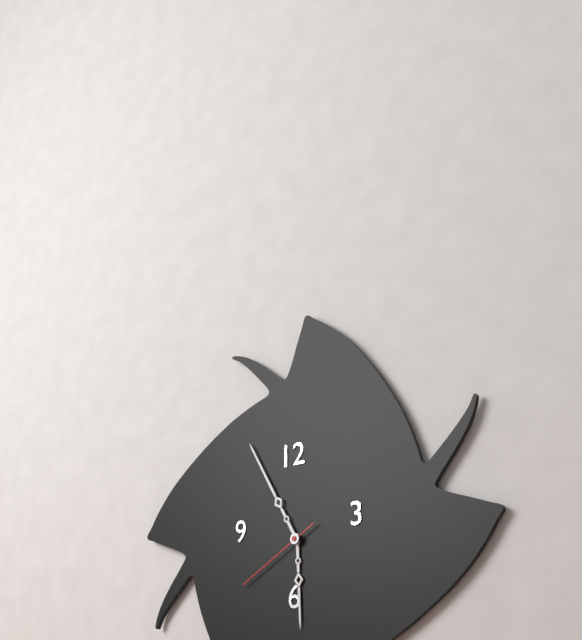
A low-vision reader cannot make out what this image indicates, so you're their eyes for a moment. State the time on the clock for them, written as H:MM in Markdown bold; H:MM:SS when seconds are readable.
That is **5:55:40**
